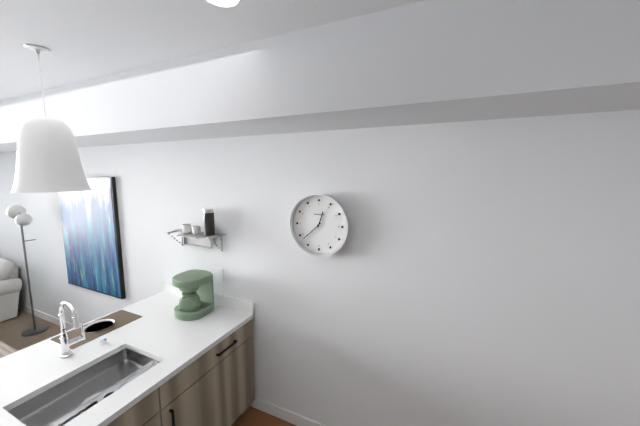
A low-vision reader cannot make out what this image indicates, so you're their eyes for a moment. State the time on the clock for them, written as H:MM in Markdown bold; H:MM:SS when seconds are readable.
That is **12:38**
